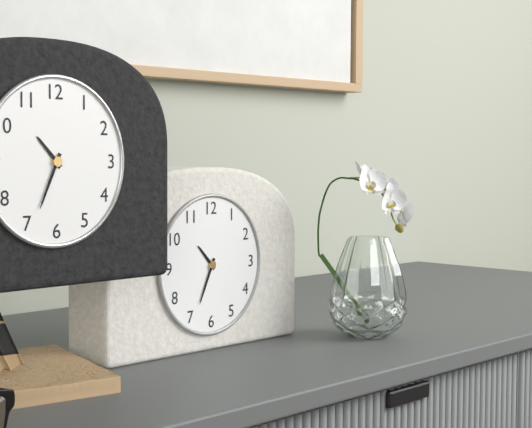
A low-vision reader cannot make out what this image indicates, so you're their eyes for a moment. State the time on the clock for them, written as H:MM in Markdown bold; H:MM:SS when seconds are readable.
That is **10:34**
